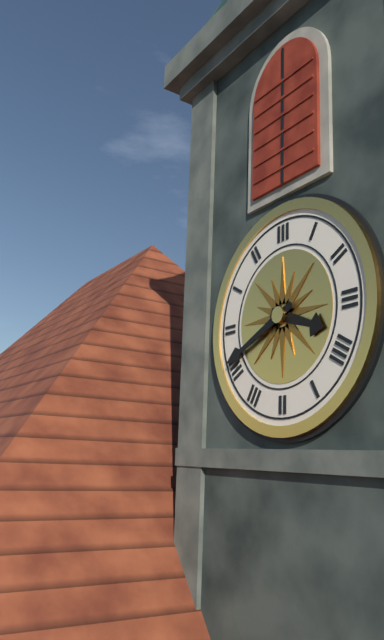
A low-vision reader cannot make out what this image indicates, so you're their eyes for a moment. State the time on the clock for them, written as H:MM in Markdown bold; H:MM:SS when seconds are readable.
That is **3:41**
